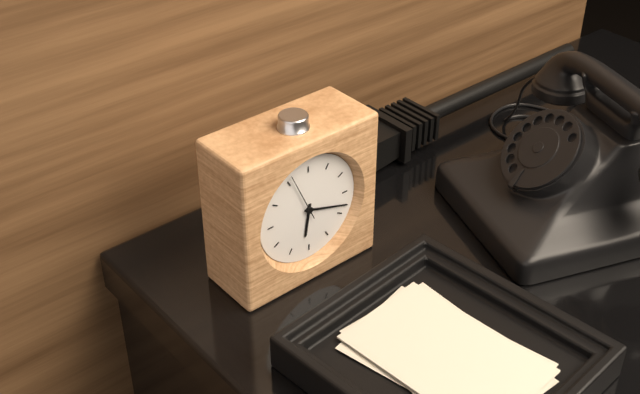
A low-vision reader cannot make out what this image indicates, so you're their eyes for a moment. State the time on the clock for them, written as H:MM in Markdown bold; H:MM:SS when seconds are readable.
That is **6:18**
